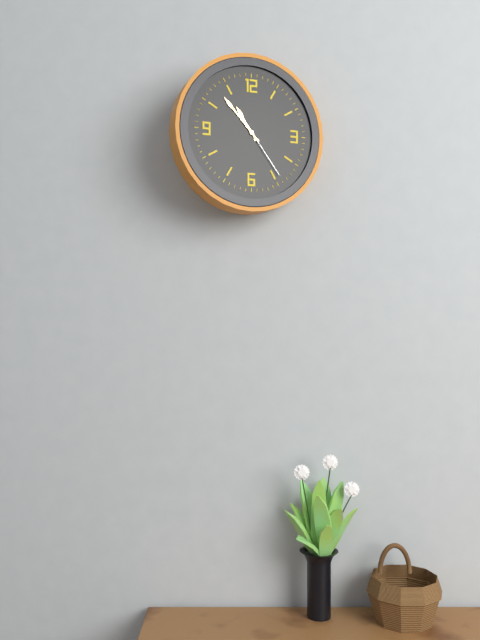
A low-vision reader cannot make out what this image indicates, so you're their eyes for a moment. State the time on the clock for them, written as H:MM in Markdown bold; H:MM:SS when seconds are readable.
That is **10:53:24**
